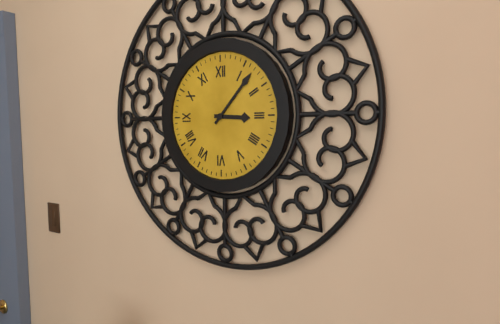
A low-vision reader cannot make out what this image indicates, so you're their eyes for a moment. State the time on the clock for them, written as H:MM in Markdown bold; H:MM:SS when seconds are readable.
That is **3:07**
